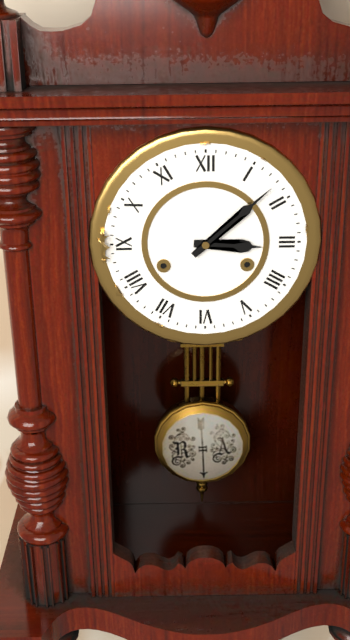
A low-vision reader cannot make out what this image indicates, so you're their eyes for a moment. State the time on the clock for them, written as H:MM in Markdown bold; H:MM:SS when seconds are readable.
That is **3:08**
